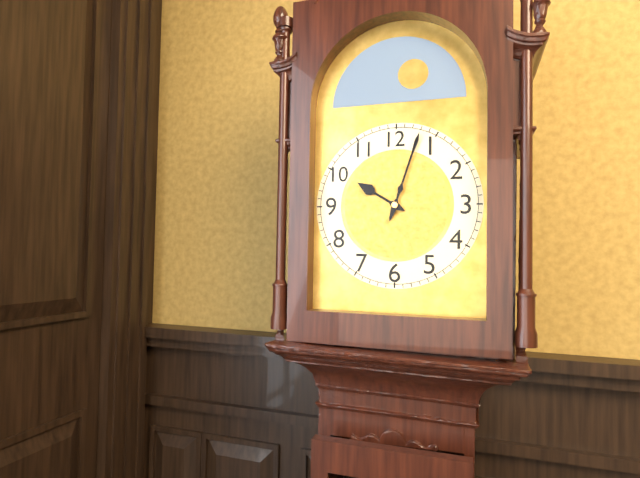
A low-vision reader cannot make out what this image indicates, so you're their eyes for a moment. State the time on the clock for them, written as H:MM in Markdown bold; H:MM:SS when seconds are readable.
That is **10:03**
